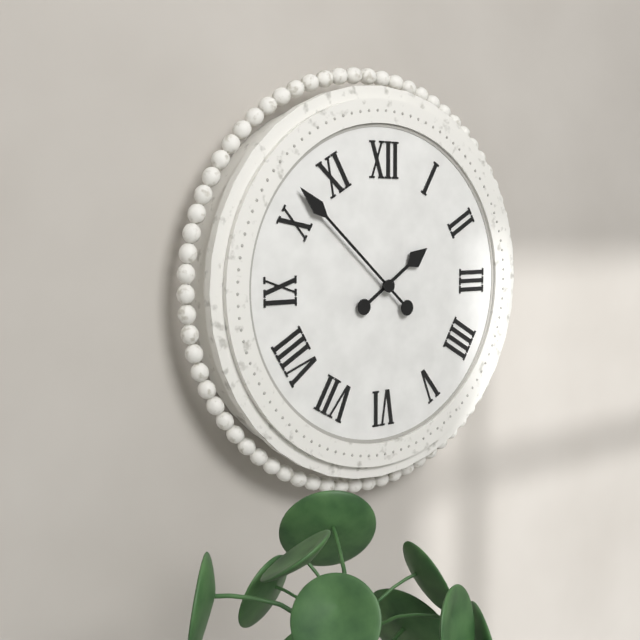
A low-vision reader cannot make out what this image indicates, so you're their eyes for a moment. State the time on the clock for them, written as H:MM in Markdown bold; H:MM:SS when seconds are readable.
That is **1:52**
